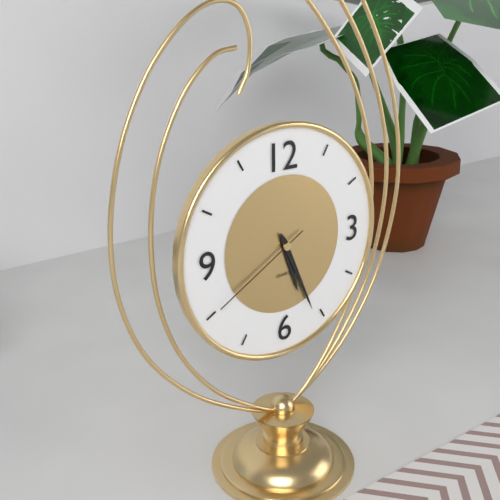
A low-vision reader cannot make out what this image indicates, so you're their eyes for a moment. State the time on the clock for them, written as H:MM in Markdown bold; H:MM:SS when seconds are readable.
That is **5:26:40**
